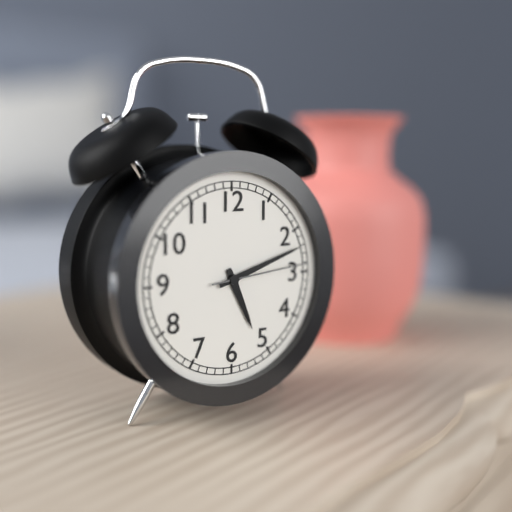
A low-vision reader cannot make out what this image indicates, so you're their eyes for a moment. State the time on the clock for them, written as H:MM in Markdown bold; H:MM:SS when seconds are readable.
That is **5:12:14**
